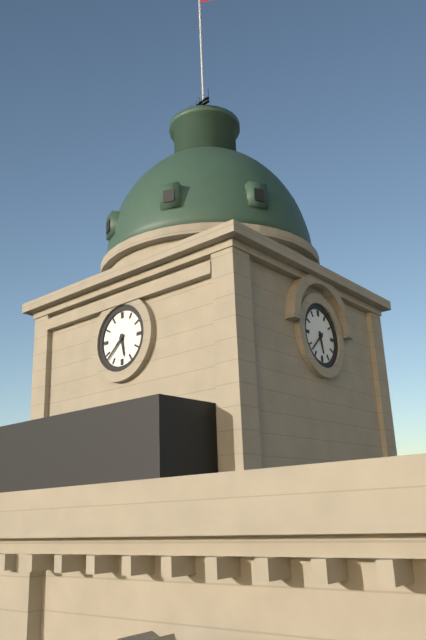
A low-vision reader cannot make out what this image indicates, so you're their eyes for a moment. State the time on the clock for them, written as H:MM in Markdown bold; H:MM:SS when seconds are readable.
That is **5:38**
